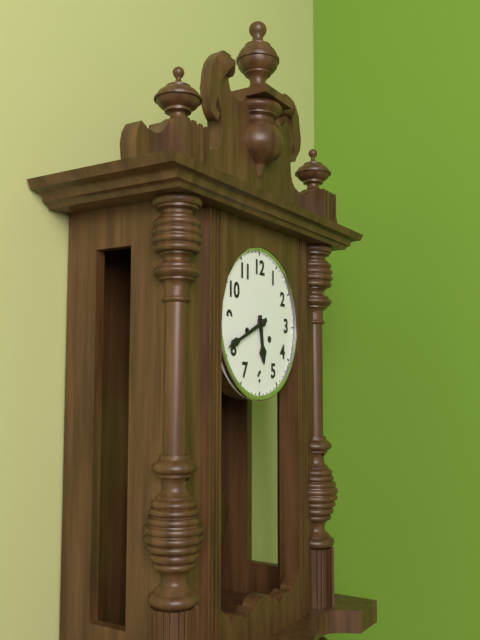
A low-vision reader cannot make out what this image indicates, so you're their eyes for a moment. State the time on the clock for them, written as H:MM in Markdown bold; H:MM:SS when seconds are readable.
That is **5:41**
